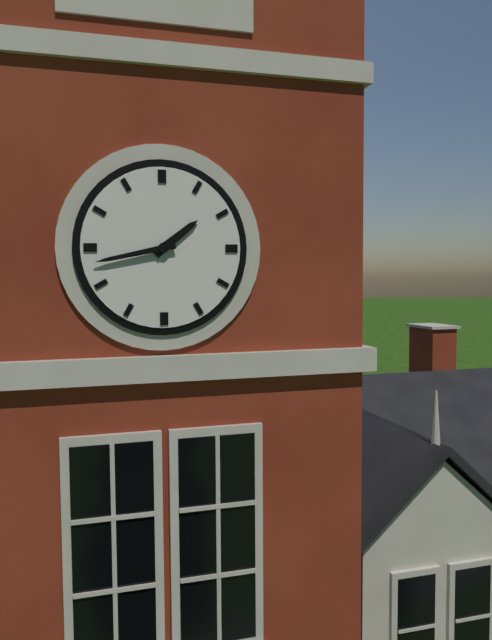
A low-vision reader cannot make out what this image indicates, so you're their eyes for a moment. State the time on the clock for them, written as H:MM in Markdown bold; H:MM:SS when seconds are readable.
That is **1:43**
